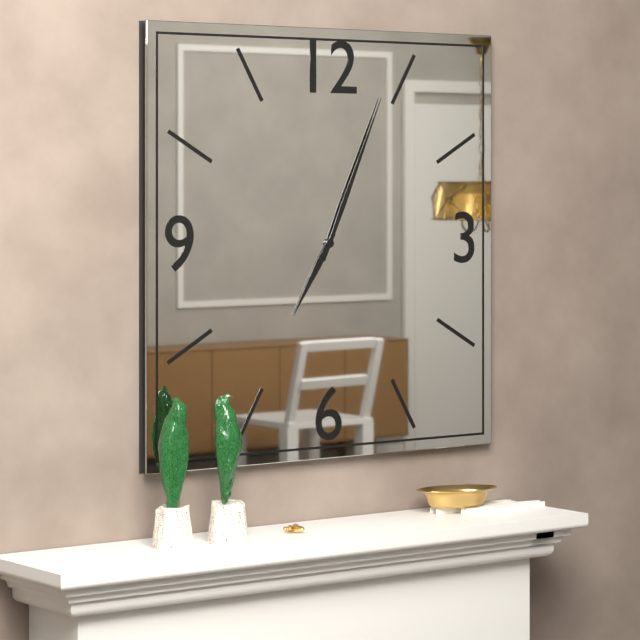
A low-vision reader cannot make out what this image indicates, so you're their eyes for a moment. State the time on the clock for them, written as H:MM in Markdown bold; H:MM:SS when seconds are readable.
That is **7:04**
